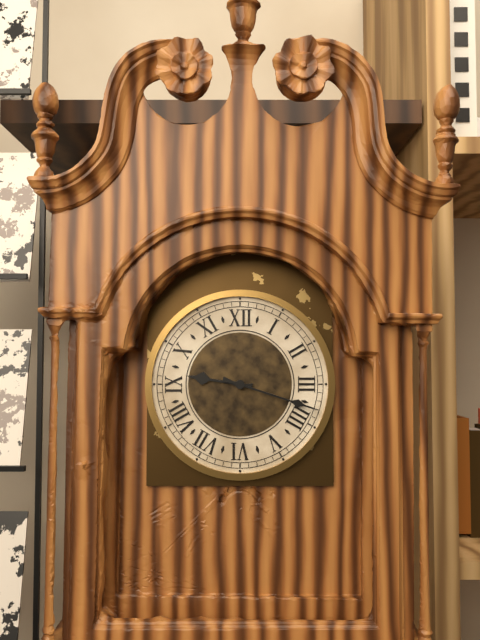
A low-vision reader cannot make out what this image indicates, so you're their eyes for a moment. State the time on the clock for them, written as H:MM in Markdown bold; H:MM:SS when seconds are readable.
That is **9:18**
